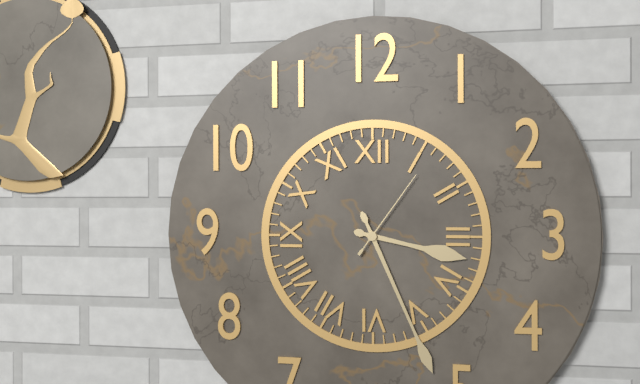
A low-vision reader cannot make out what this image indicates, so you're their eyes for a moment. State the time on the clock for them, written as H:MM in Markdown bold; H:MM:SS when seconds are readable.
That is **3:26:06**
